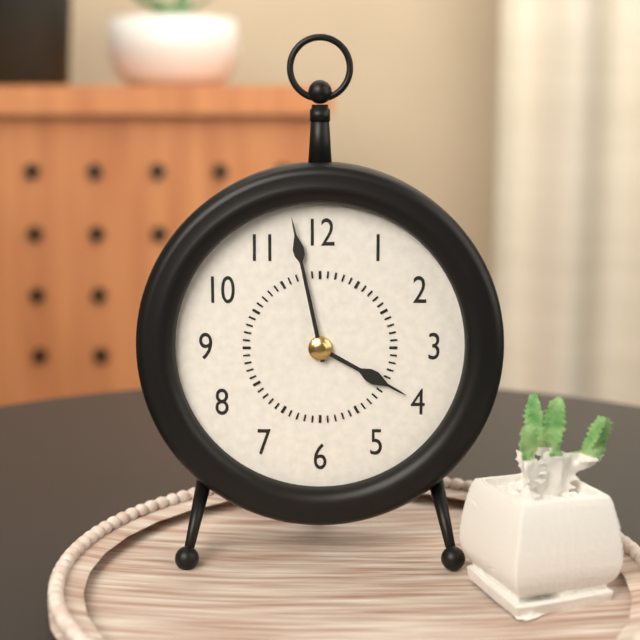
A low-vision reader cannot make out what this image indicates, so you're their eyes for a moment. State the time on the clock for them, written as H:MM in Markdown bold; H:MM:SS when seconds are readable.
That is **3:58**
